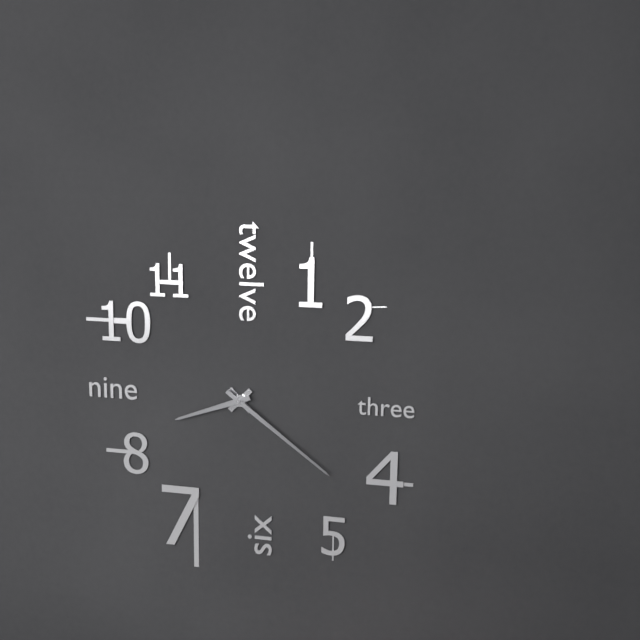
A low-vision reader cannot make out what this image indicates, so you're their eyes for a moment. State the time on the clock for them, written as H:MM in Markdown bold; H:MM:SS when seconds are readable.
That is **8:21**
